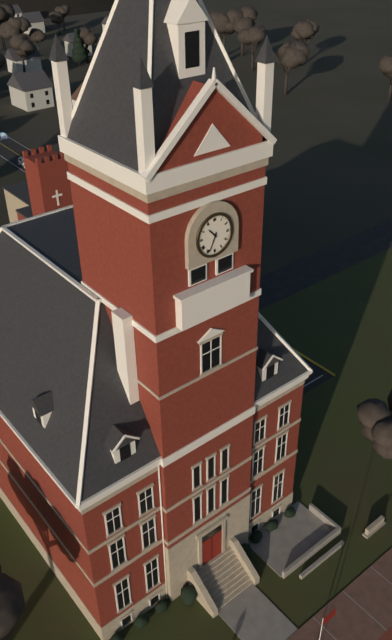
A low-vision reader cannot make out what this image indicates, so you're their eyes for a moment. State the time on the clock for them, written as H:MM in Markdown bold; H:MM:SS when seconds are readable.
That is **10:34**
